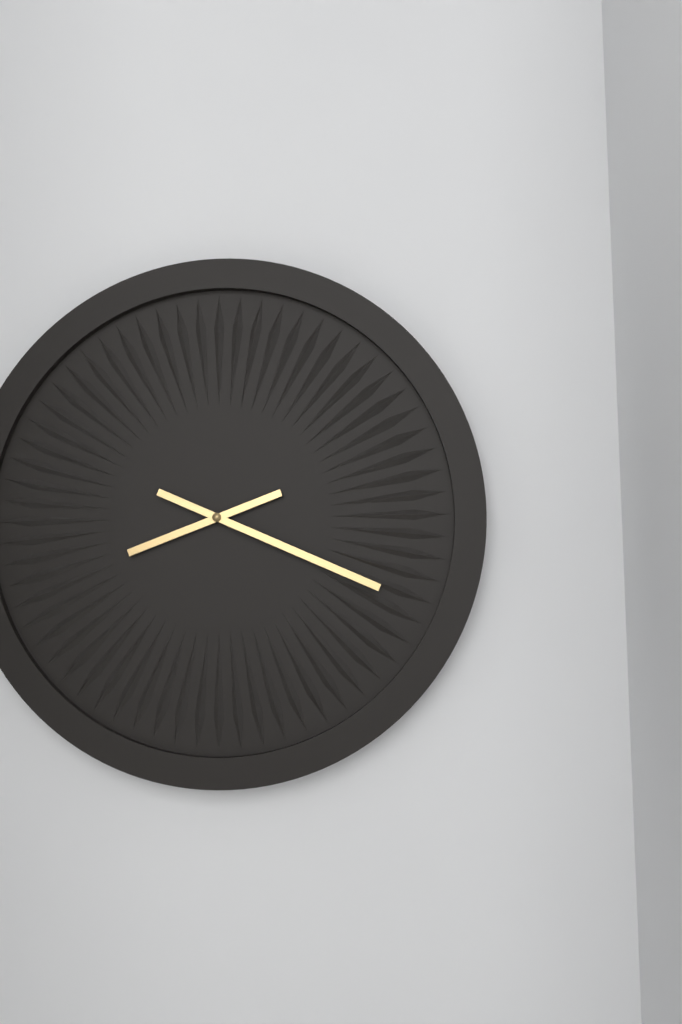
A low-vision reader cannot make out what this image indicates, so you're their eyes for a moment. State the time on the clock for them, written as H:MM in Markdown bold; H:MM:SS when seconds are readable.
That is **8:19**
